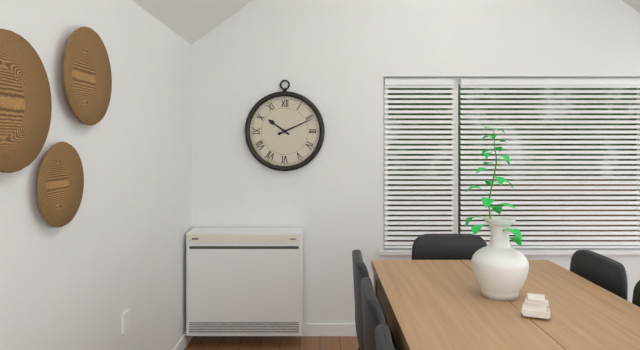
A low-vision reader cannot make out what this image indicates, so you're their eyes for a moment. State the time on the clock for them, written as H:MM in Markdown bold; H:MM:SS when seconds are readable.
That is **10:11**
